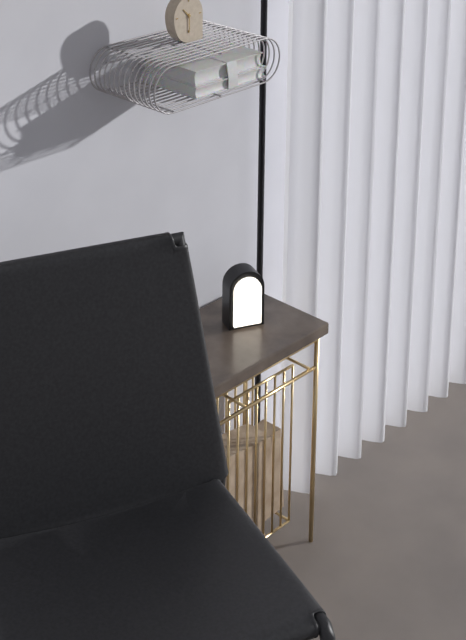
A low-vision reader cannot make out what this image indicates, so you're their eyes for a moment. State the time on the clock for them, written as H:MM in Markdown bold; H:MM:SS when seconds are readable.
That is **10:30**
